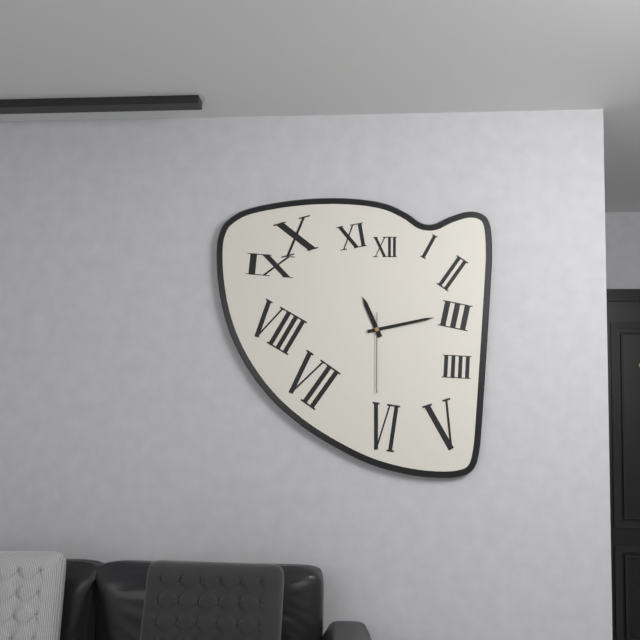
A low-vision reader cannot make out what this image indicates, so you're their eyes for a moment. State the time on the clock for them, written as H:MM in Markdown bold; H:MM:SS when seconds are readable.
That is **11:13:30**
